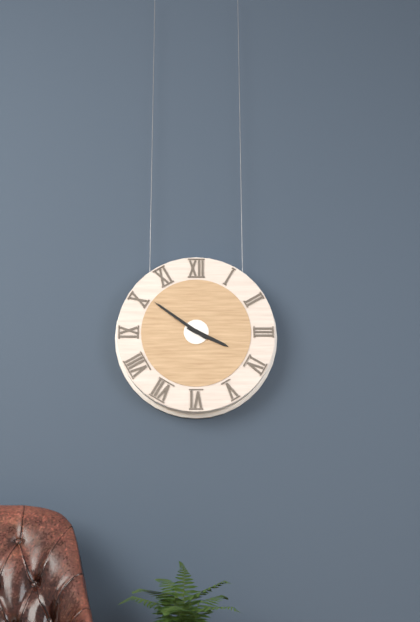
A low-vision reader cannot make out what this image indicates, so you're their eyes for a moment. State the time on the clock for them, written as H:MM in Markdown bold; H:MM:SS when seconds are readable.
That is **3:51**
